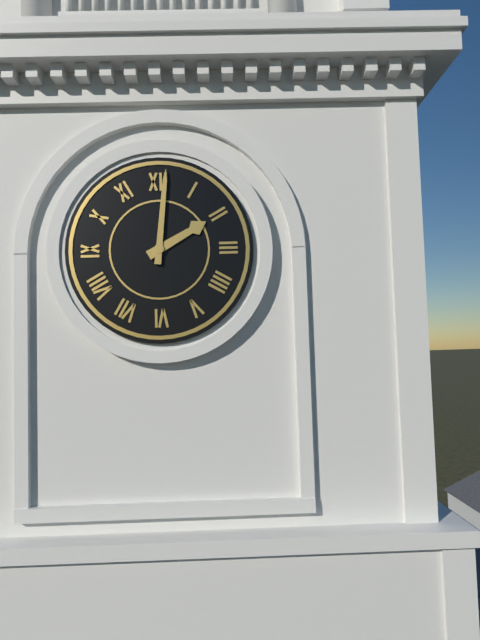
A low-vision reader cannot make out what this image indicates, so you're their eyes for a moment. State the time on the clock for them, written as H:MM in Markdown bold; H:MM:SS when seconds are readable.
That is **2:01**
